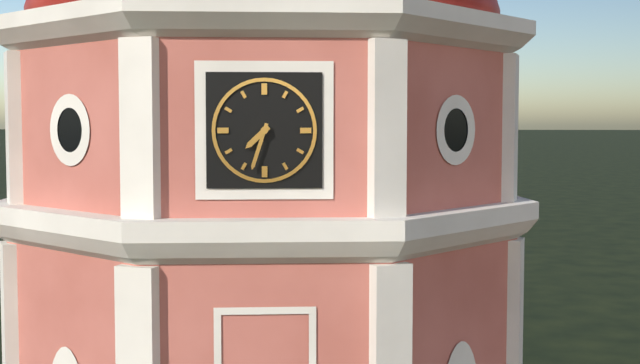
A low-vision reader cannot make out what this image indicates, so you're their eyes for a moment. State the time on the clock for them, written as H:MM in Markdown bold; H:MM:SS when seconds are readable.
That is **7:33**
